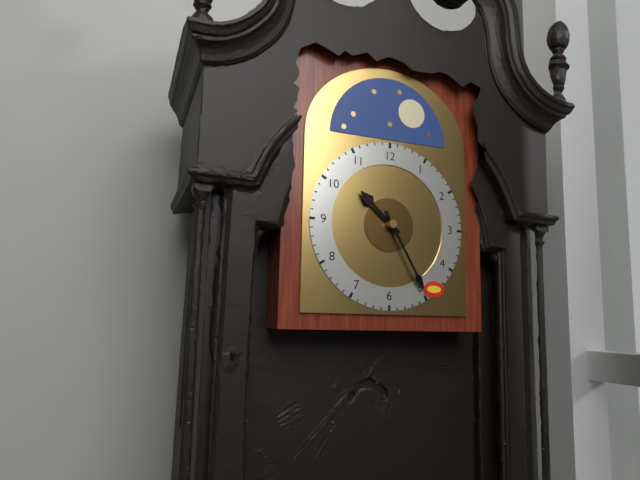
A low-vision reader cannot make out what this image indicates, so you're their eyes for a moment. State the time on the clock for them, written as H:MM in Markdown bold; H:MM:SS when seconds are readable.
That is **10:25**
